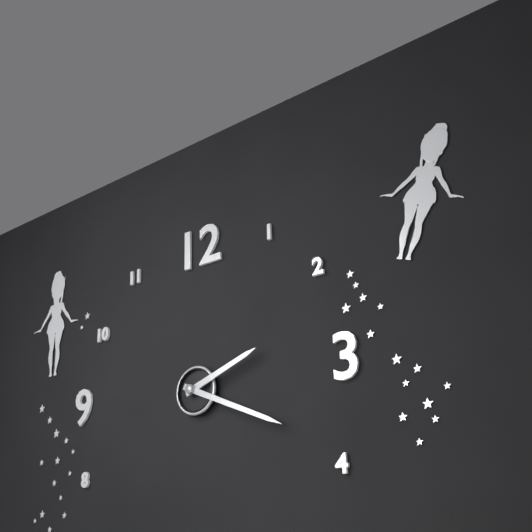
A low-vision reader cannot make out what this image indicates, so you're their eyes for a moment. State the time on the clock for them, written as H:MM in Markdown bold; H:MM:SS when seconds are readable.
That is **2:19**
